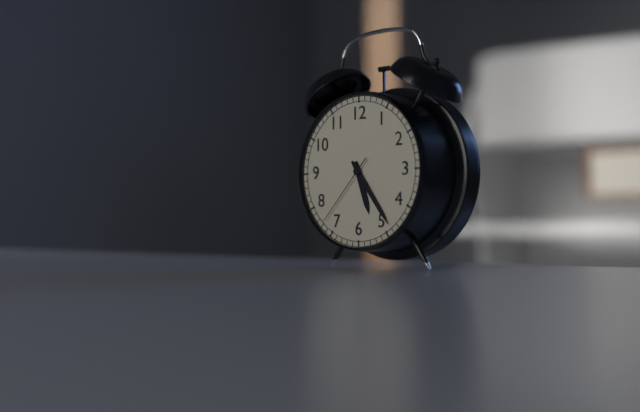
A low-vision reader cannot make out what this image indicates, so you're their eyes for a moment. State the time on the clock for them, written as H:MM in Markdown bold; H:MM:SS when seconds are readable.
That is **5:24:37**
